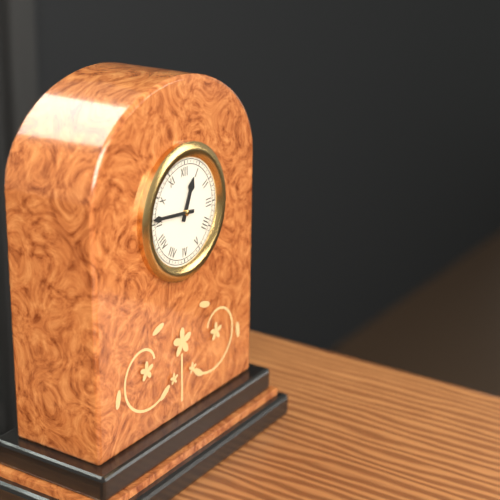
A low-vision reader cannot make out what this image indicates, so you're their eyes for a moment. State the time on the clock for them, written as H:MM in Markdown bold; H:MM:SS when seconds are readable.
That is **12:46**
